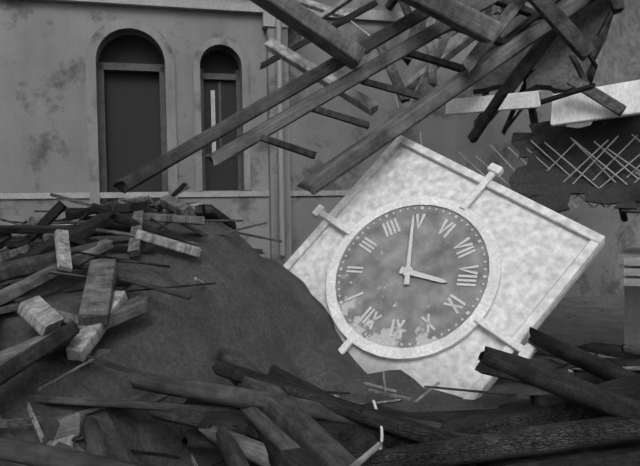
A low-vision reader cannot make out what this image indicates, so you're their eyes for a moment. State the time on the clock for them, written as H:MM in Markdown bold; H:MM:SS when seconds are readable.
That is **8:24**
